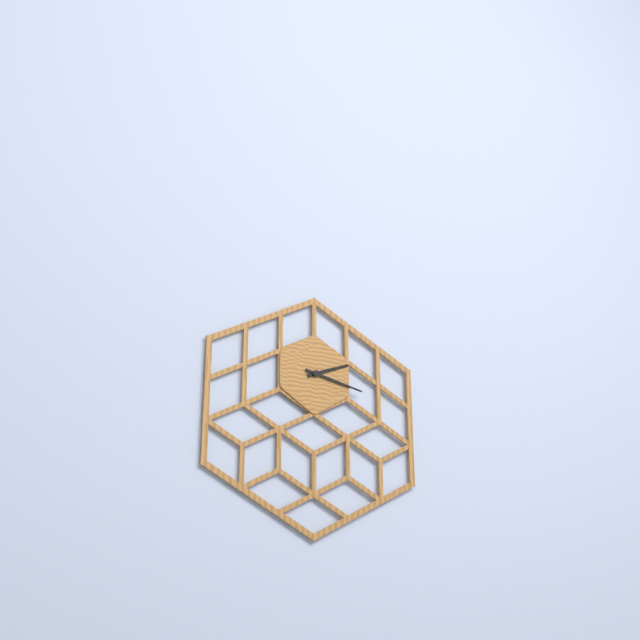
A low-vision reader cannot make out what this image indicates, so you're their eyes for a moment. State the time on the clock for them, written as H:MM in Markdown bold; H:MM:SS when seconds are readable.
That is **2:17**
